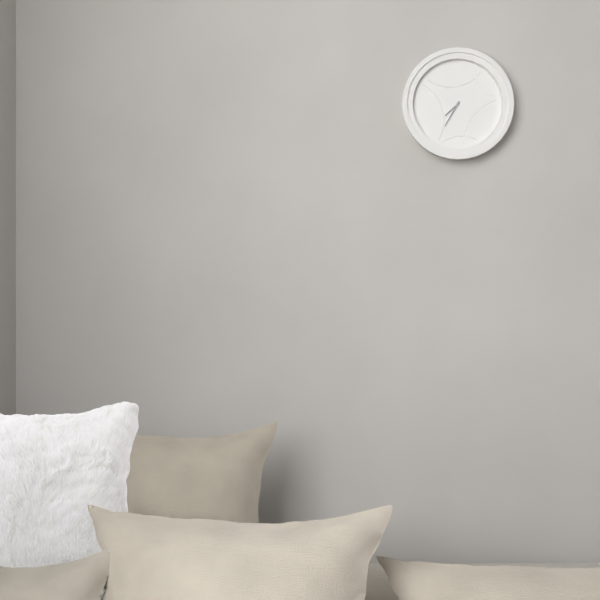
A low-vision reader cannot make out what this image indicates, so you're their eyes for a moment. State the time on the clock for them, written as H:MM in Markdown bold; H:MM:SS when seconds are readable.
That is **7:35**
